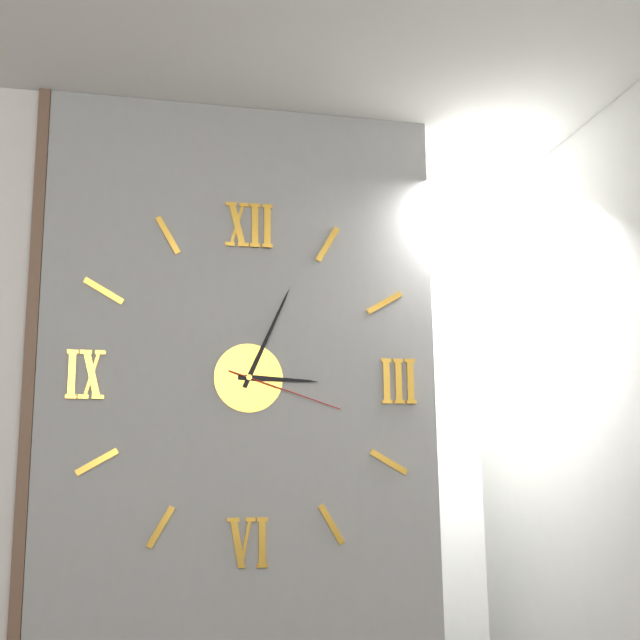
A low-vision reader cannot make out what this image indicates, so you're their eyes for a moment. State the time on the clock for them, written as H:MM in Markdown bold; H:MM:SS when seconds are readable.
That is **3:04:18**
